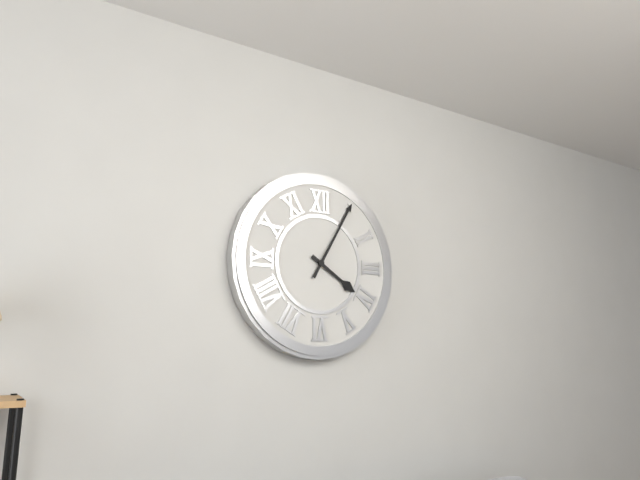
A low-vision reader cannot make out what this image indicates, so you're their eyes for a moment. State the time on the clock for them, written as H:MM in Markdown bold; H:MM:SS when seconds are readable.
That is **4:05**
